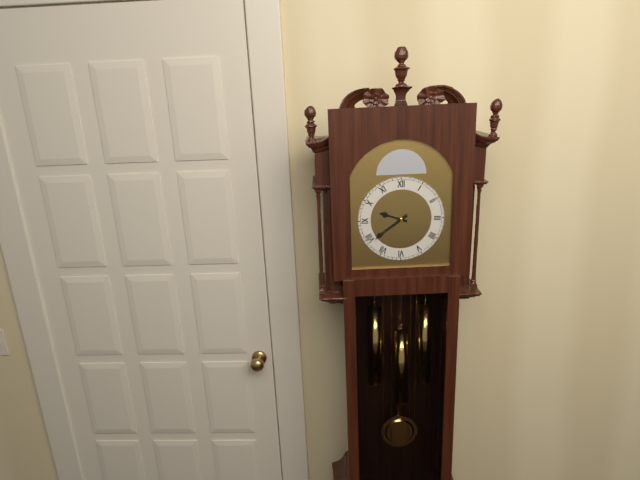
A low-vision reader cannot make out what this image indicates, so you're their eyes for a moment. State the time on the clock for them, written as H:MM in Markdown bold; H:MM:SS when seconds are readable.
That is **9:39**
